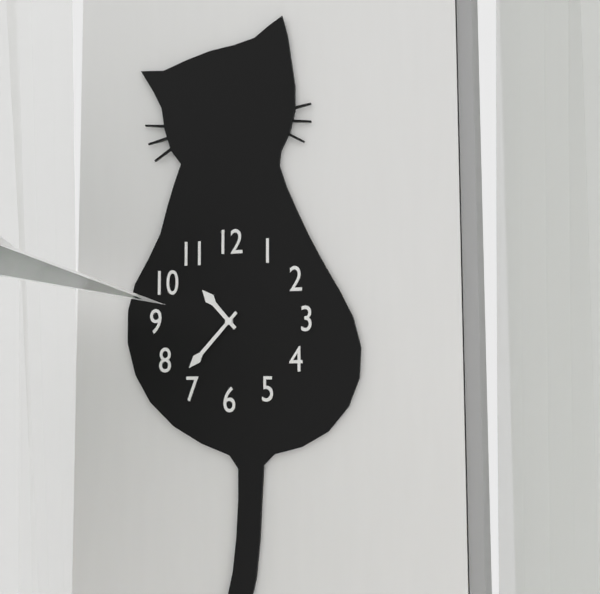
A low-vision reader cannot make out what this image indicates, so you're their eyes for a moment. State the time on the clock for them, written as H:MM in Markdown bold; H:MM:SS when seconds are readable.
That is **10:37**
